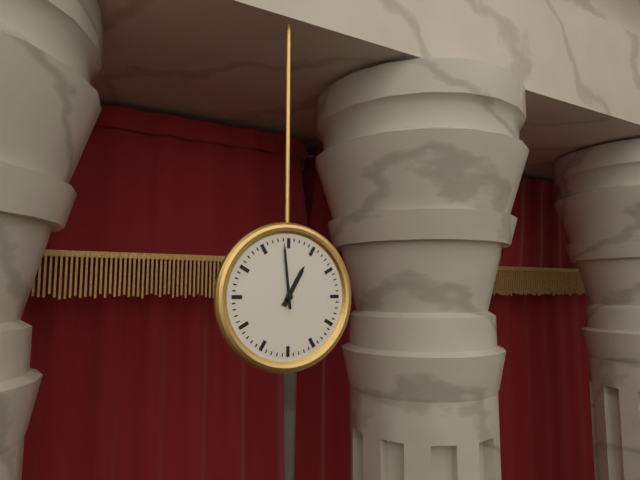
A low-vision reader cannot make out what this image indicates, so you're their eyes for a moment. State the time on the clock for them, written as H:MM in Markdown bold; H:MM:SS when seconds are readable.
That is **12:59**
